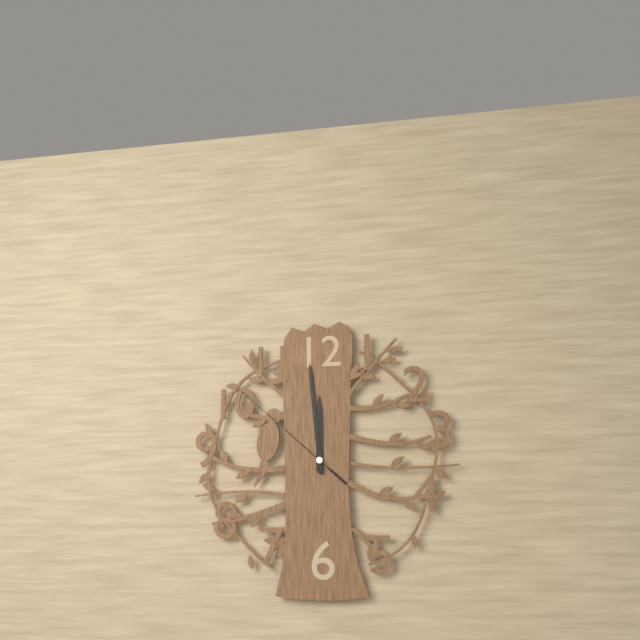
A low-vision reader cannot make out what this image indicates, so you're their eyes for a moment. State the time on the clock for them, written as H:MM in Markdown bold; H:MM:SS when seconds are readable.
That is **11:59:52**
